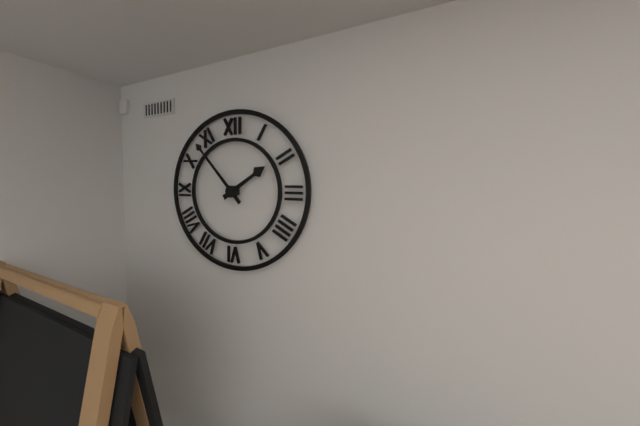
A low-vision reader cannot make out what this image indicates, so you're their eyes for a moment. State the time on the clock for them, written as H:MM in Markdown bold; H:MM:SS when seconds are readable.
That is **1:53**
